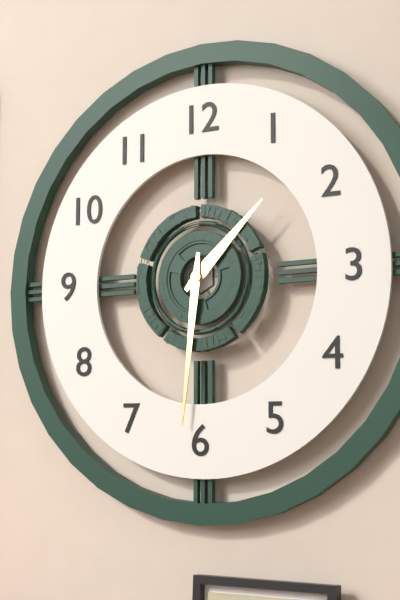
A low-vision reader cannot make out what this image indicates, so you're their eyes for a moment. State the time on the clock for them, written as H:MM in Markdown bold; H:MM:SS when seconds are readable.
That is **1:31**
